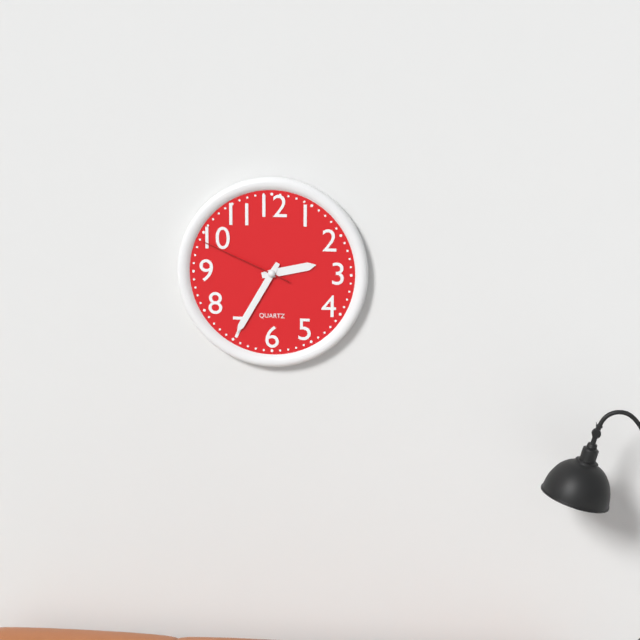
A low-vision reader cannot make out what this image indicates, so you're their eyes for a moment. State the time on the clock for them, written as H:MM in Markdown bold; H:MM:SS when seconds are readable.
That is **2:35:49**
